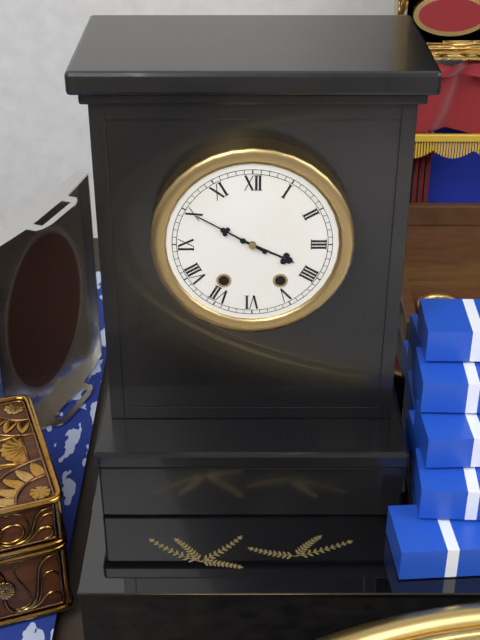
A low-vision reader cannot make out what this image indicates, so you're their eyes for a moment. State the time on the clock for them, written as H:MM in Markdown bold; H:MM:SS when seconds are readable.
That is **3:50**
